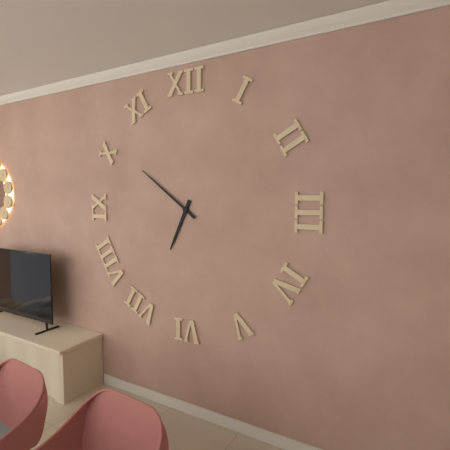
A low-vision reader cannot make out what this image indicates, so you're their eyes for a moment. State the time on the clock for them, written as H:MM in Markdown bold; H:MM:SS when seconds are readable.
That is **6:51**
